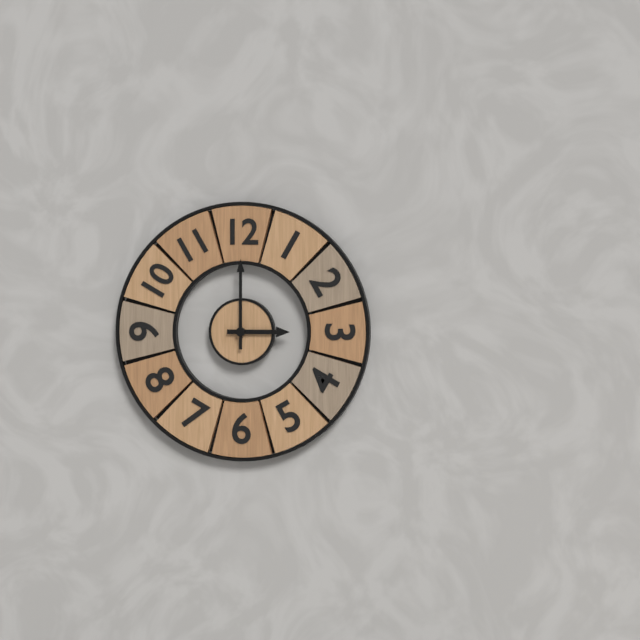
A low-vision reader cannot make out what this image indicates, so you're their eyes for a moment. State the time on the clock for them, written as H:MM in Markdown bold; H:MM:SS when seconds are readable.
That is **3:00**
